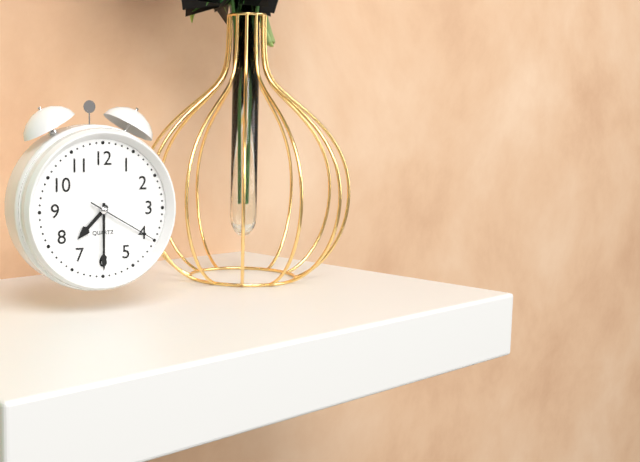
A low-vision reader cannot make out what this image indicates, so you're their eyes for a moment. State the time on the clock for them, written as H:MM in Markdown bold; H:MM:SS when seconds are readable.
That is **7:30:20**
